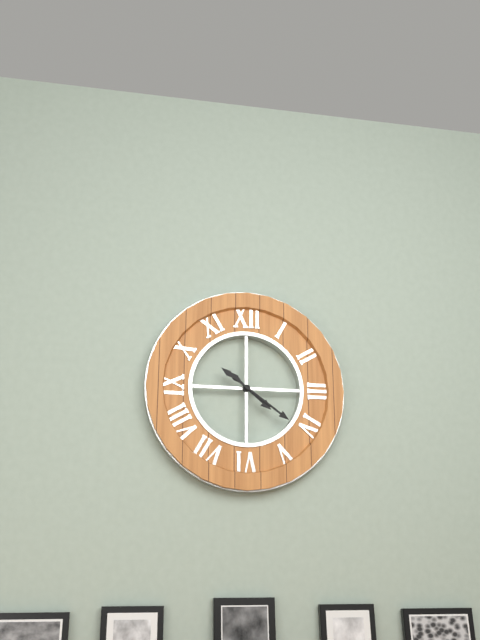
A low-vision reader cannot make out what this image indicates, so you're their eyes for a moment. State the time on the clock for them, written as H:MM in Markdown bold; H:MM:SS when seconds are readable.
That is **4:21**
